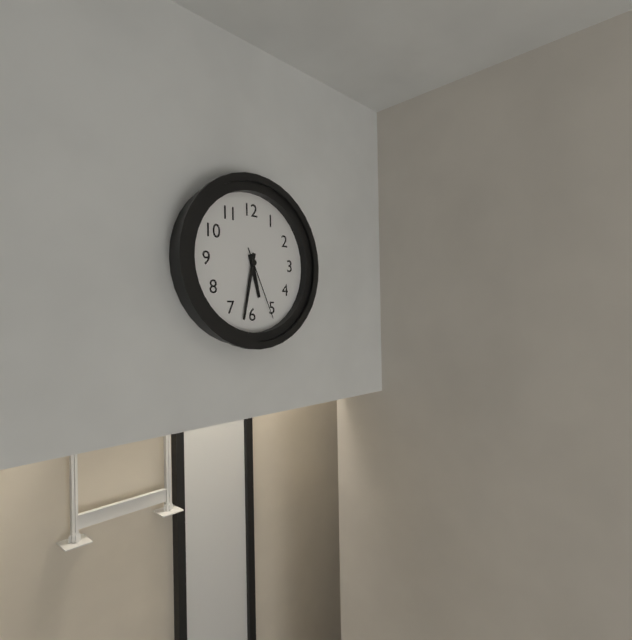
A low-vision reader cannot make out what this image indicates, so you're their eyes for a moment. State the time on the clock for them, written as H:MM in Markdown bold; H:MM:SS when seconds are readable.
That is **5:32:26**
